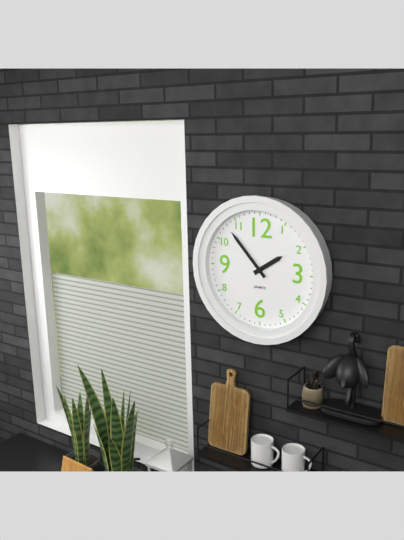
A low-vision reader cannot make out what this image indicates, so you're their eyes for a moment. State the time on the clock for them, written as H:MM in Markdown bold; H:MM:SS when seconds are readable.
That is **1:53**
